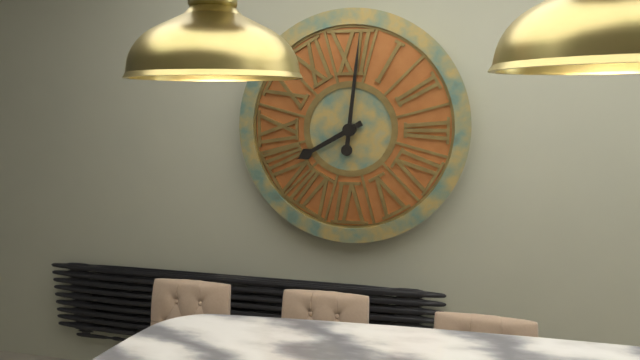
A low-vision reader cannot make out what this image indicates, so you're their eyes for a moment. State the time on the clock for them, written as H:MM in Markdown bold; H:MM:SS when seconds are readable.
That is **8:01**
